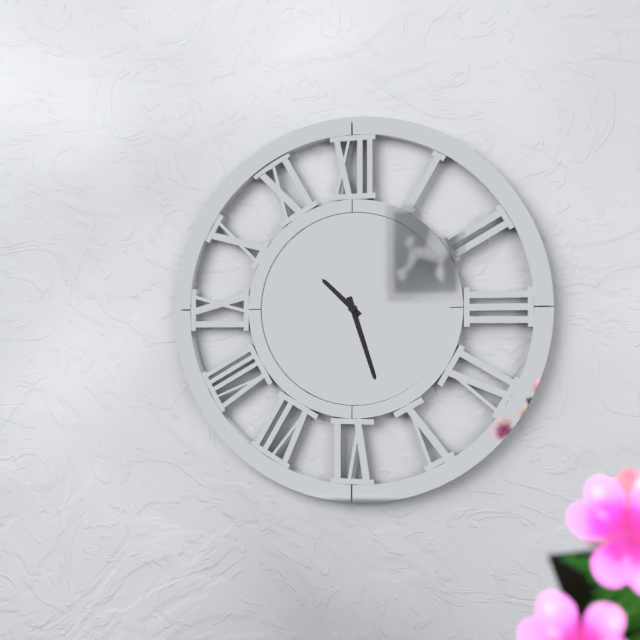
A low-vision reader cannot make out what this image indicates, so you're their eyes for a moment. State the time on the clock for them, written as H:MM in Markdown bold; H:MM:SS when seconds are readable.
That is **10:27**
